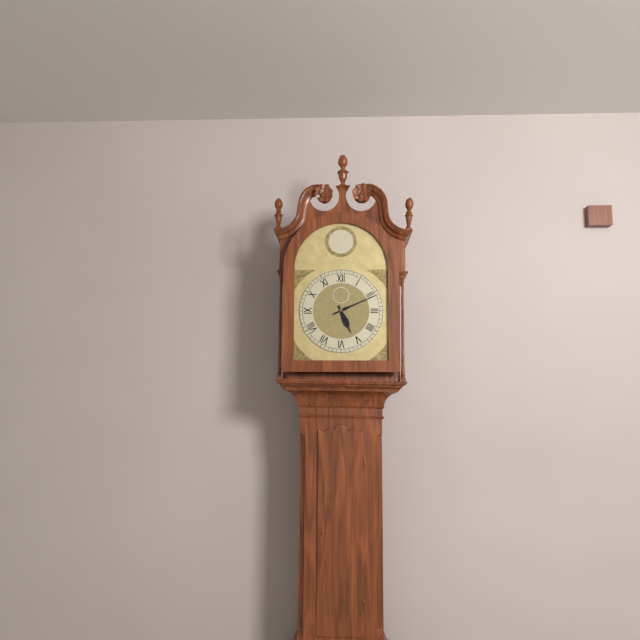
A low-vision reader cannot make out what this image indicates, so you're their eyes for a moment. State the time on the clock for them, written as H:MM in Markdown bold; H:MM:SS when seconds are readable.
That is **5:11**
